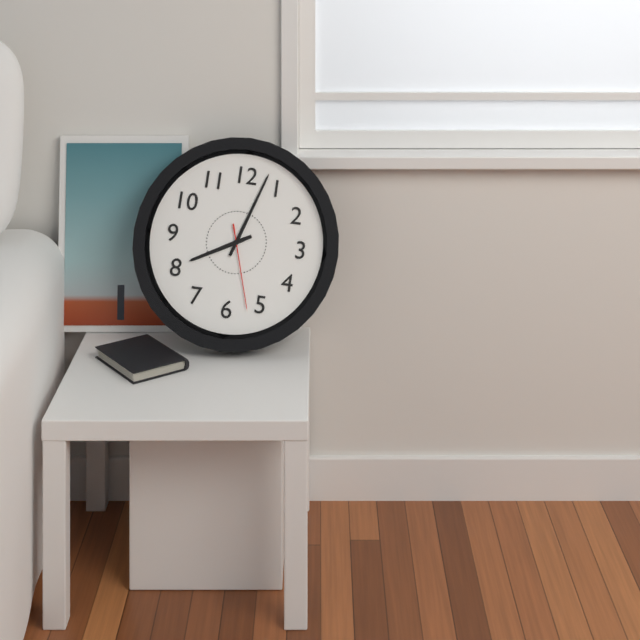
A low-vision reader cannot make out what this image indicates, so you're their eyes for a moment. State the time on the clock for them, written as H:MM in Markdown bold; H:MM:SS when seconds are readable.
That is **8:03:27**
